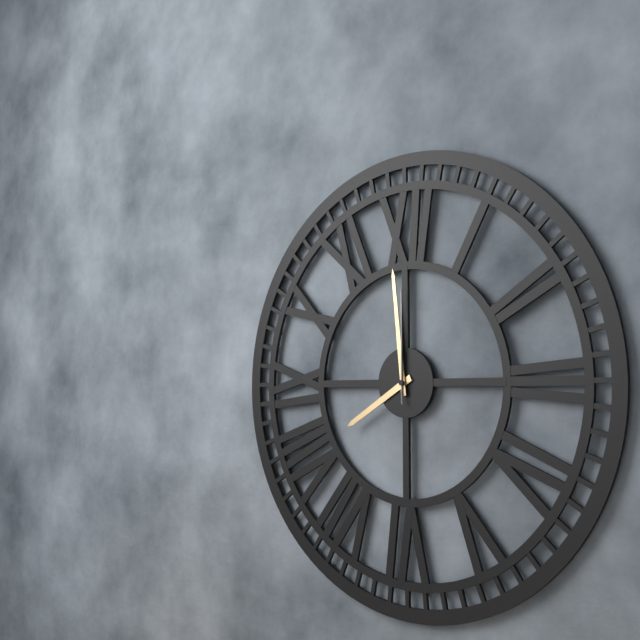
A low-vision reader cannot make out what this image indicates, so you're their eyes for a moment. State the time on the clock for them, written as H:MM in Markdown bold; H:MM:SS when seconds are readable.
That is **7:59:00**
